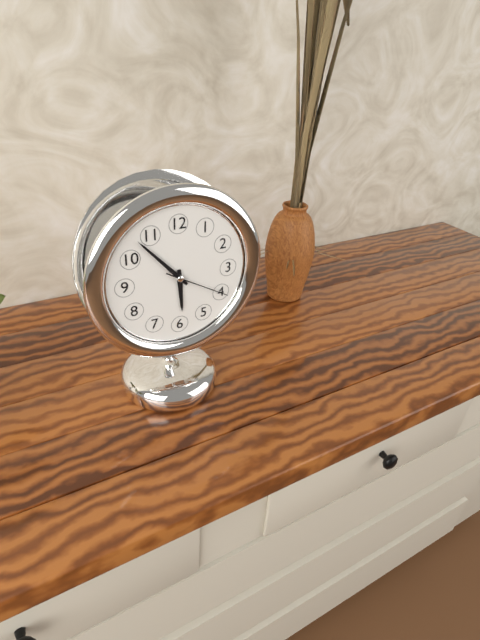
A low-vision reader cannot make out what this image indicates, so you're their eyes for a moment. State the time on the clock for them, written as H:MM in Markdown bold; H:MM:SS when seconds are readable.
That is **5:53:20**
